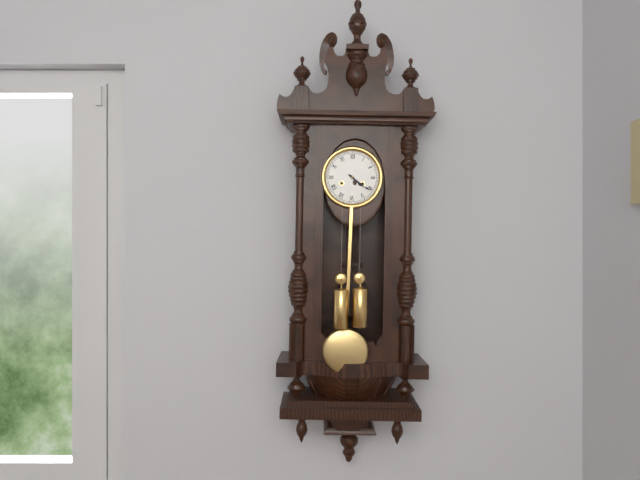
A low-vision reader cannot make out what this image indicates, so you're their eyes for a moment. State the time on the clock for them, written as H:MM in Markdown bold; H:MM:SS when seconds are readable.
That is **4:21**
